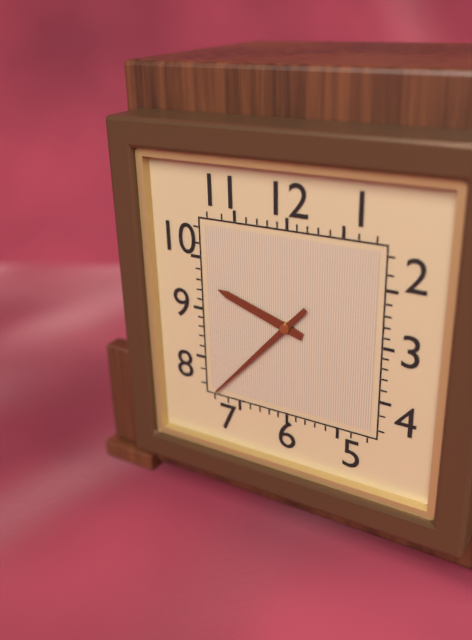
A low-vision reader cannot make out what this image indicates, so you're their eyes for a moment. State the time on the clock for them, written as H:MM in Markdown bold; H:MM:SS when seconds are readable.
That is **9:37**
